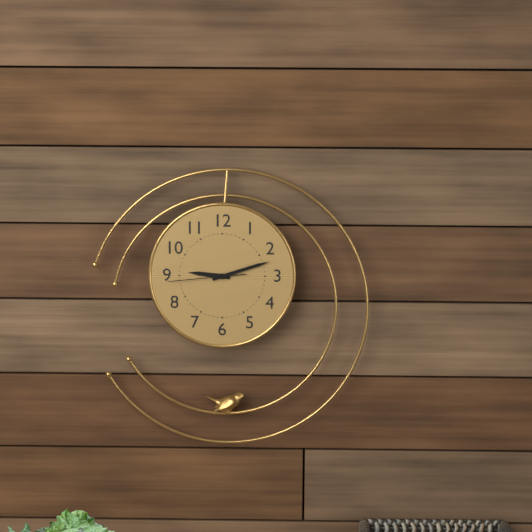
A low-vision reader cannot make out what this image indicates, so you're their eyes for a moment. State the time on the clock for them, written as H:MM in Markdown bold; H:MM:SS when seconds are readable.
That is **9:12:44**
